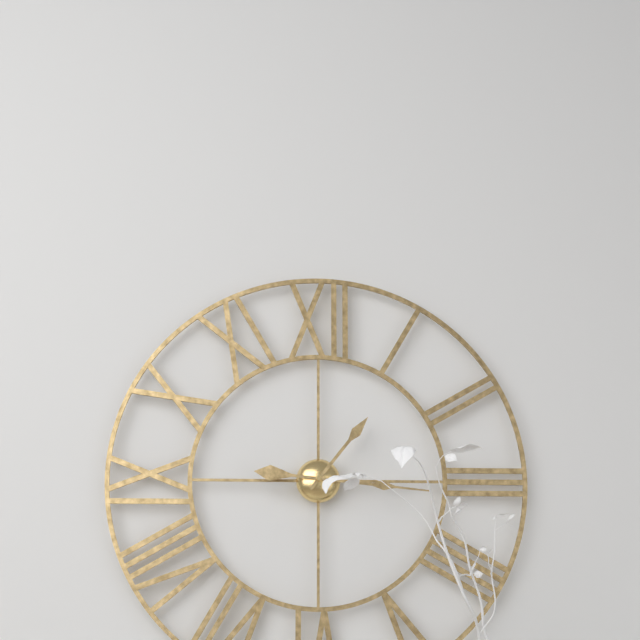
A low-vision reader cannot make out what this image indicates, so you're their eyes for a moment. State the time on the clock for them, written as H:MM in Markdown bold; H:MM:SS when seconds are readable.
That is **1:16**
